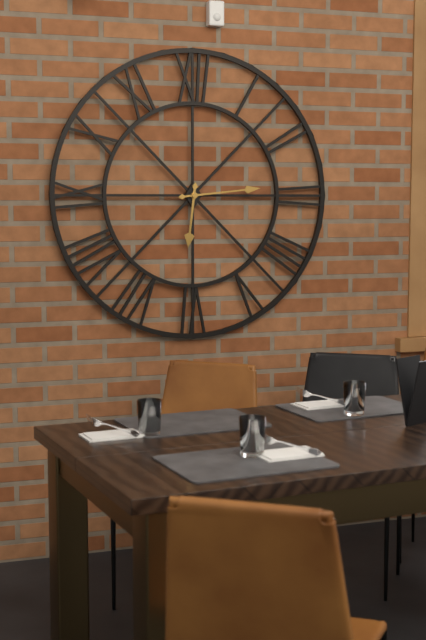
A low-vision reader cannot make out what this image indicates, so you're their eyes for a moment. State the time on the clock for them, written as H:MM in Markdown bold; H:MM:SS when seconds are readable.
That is **6:14**
